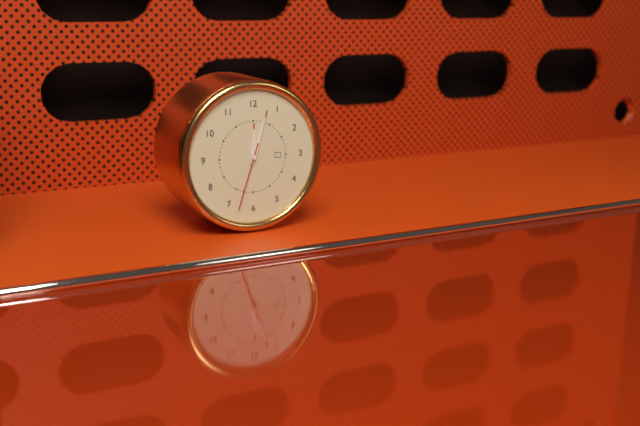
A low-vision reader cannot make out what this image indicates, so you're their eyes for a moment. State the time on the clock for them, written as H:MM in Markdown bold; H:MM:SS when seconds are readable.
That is **12:03:33**
